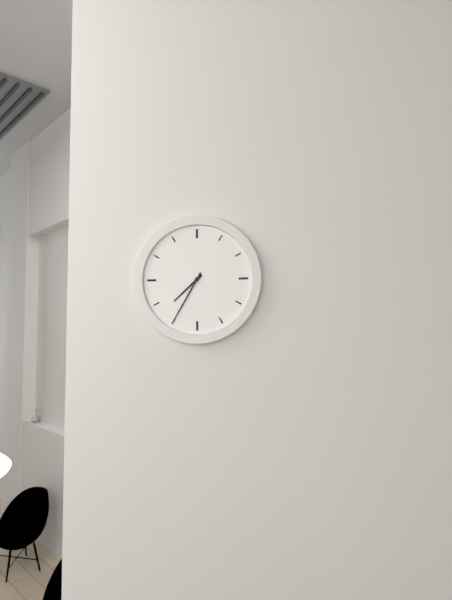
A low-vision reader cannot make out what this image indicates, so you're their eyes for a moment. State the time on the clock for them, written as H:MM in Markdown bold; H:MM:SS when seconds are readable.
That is **7:35**
